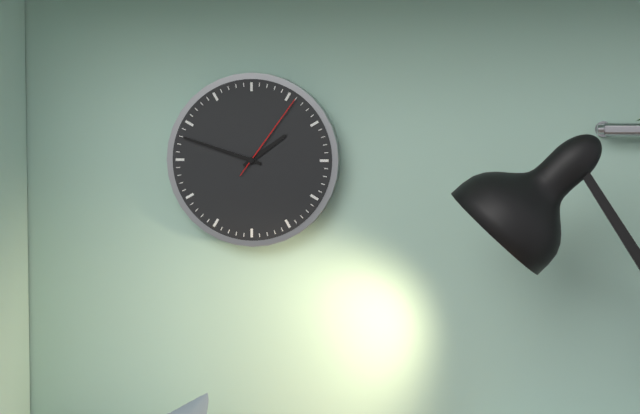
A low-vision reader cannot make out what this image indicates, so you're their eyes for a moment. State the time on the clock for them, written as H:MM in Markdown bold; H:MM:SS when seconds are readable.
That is **1:48:06**
